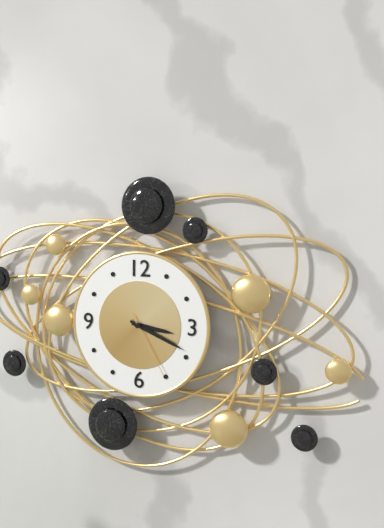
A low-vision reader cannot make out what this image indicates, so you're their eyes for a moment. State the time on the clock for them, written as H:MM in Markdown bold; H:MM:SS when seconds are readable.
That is **3:19:25**
